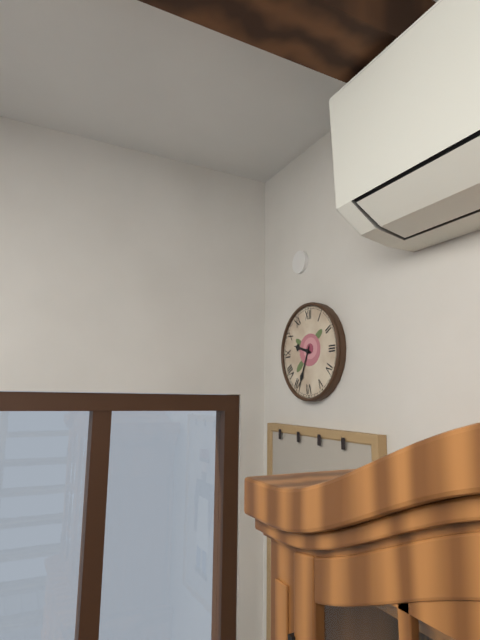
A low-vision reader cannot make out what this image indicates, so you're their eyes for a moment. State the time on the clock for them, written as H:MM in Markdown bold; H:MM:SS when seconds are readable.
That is **9:34**
